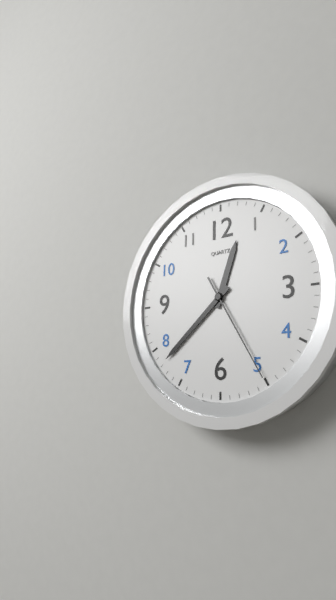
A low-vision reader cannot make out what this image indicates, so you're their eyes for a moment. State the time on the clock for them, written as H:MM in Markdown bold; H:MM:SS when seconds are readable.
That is **12:38:25**
